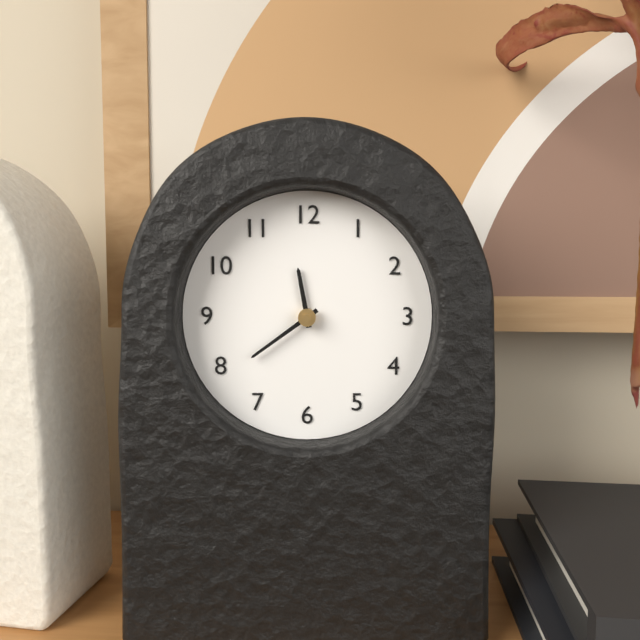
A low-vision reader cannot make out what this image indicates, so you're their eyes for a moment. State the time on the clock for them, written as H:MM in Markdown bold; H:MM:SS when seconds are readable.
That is **11:39**
